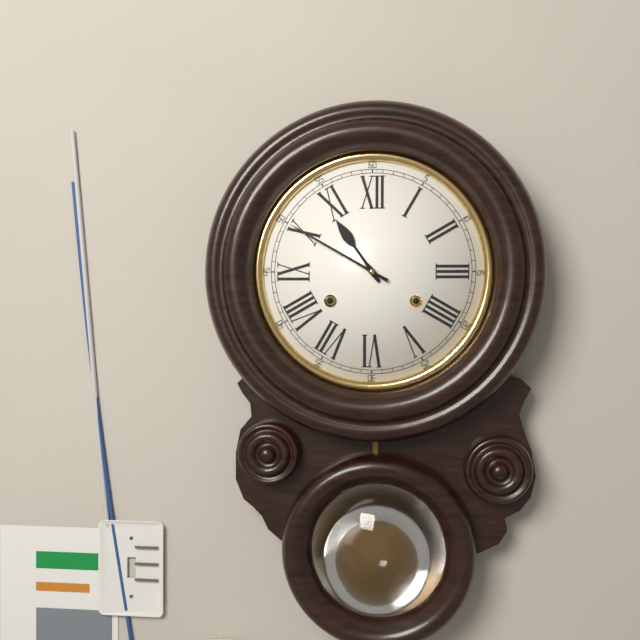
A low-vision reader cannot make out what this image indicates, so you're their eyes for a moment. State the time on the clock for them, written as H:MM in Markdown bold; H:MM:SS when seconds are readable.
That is **10:50**
